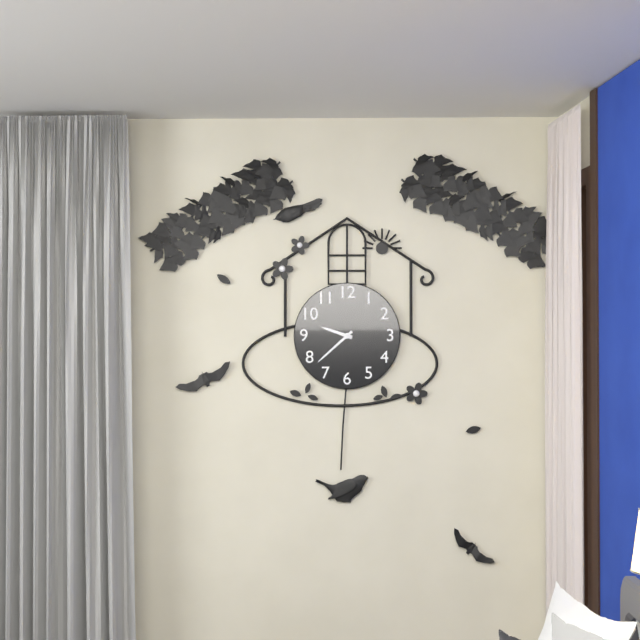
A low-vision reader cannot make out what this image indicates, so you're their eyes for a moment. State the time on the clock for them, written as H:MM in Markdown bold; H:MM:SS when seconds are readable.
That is **9:38**
